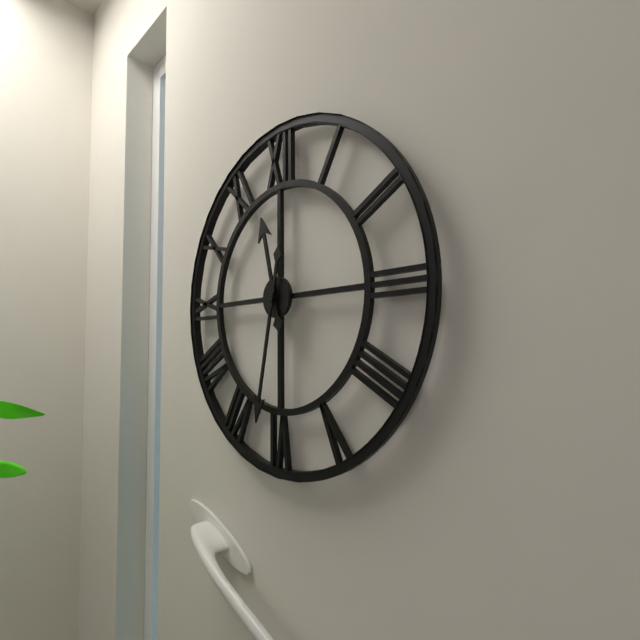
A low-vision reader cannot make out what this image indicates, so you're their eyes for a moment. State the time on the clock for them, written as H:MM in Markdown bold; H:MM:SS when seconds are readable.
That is **11:32**
